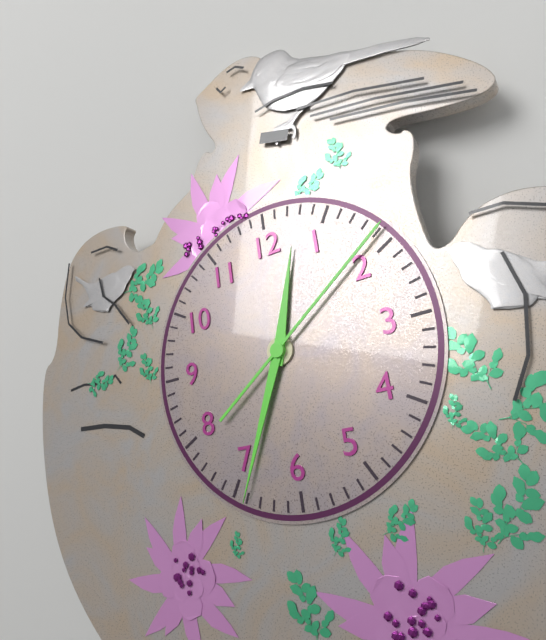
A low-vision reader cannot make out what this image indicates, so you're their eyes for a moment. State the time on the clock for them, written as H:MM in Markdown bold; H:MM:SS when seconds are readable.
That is **12:34:09**
